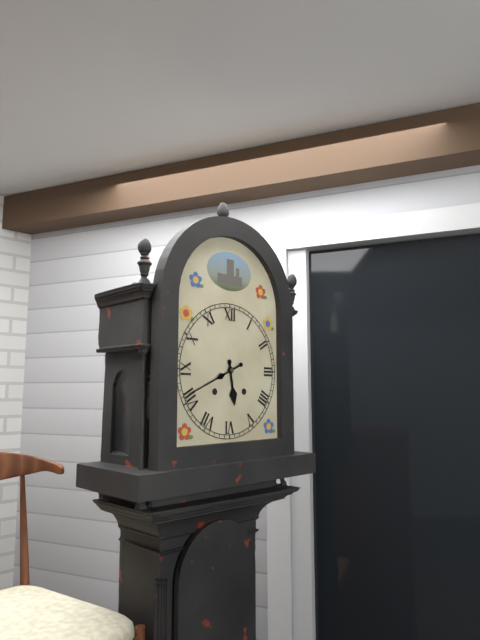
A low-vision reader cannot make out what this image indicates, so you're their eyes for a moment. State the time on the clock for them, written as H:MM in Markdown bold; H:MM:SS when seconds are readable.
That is **5:41**
